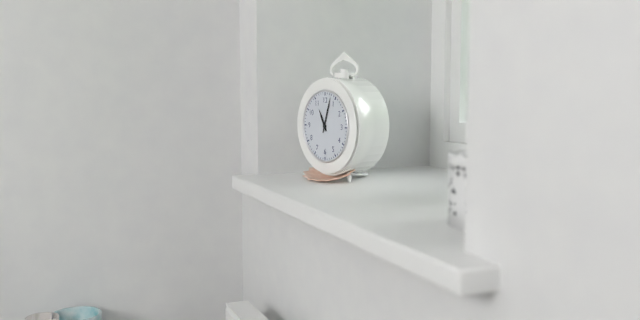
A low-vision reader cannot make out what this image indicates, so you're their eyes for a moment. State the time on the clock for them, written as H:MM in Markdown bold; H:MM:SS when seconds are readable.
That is **11:03**
